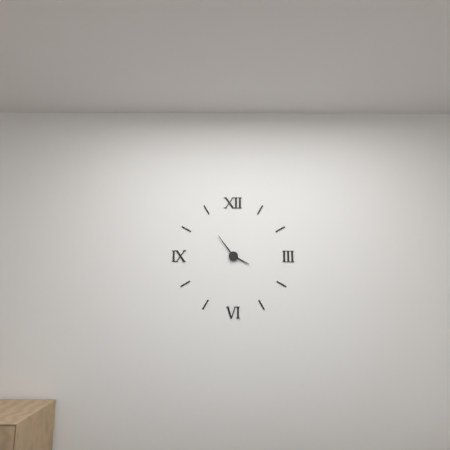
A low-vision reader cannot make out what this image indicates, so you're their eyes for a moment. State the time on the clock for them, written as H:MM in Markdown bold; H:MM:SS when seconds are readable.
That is **3:54**
